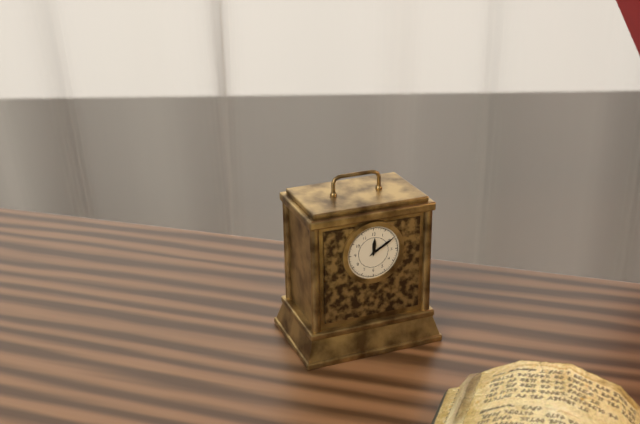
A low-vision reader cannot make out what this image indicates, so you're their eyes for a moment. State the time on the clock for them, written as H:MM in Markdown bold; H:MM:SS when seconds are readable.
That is **12:10**
